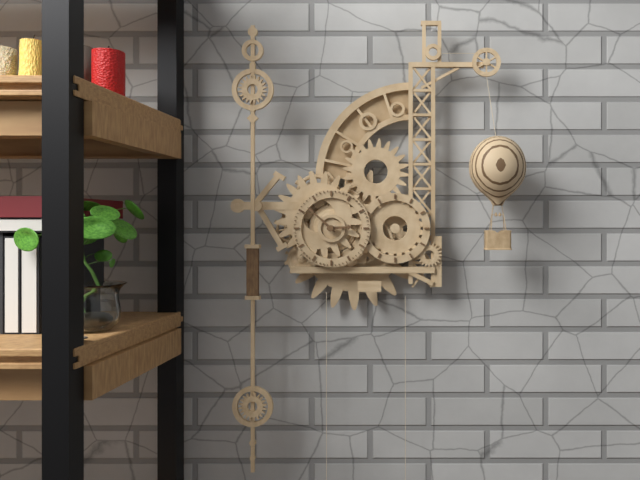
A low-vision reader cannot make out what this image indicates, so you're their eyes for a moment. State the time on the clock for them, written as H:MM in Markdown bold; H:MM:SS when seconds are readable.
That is **2:52**
